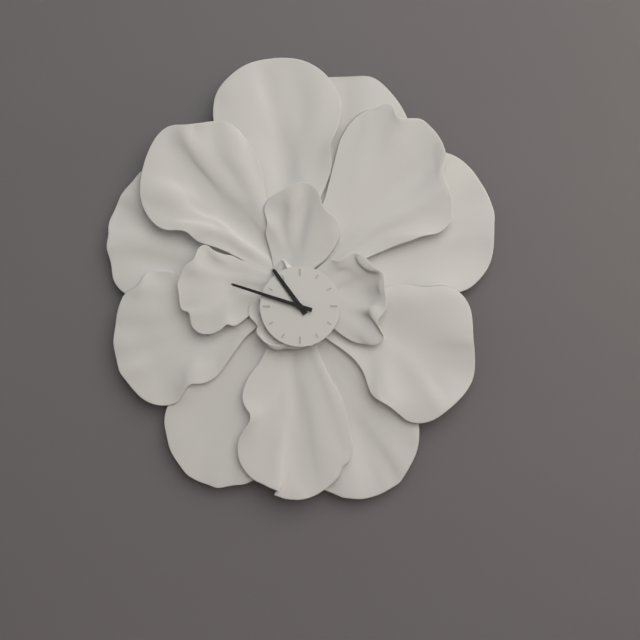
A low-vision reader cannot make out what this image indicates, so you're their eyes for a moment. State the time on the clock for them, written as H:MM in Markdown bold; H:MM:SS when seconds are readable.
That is **10:48**
